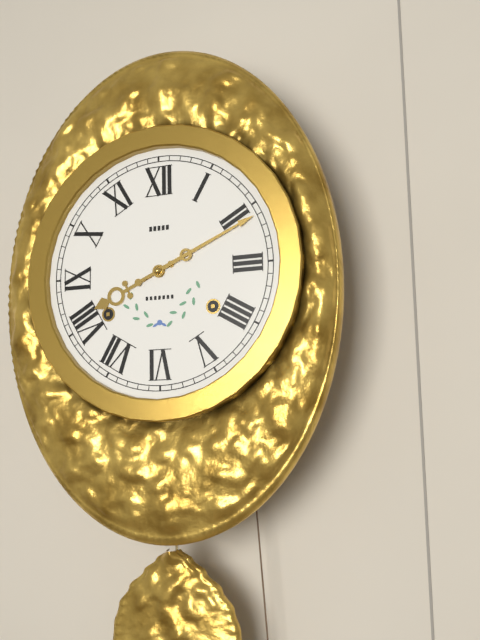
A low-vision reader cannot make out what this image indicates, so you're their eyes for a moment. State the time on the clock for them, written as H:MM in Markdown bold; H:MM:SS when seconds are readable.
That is **8:11**
